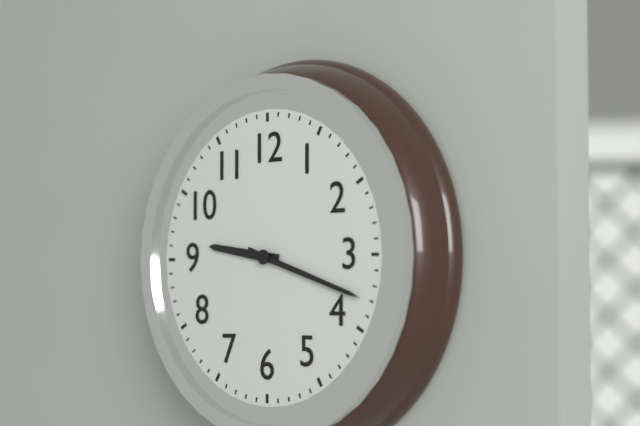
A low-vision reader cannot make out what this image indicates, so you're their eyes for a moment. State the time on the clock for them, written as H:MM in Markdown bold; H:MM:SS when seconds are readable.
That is **9:18**
